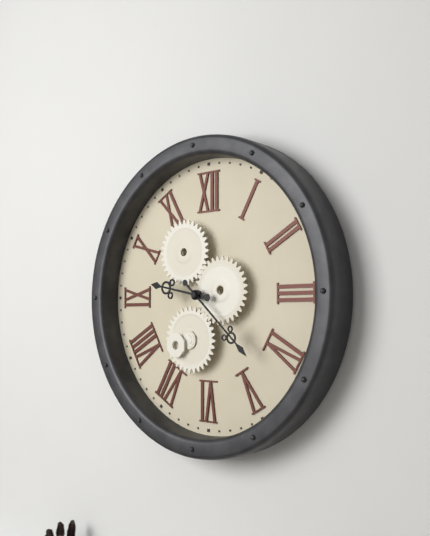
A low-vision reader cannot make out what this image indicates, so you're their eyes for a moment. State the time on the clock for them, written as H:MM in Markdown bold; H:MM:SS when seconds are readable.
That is **9:22**
